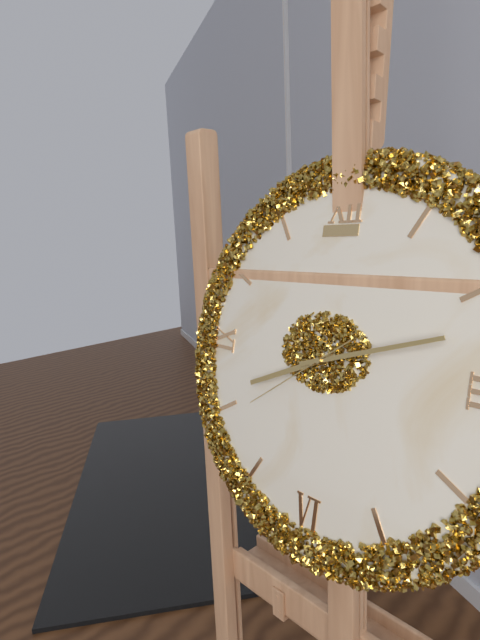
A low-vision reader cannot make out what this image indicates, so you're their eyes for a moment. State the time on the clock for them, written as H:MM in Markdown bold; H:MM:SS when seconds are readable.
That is **8:12:39**
